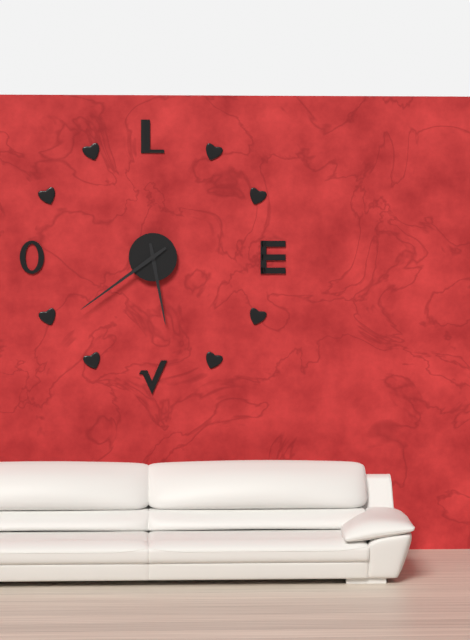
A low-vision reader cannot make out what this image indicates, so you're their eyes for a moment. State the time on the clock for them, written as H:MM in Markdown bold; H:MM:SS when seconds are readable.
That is **5:39**
